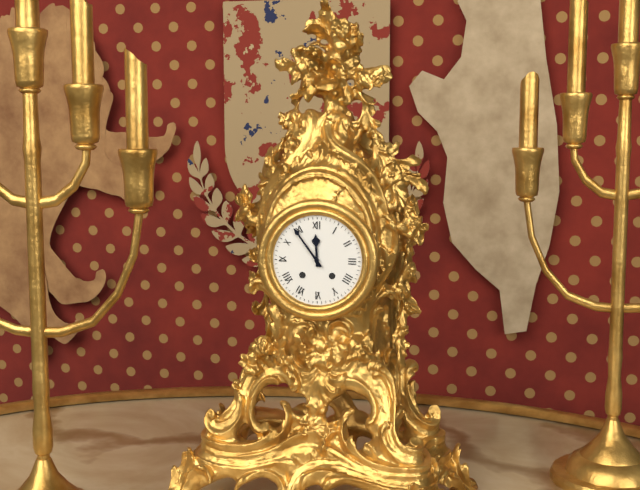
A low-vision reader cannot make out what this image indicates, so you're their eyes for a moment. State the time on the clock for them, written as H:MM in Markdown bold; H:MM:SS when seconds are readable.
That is **11:54**
